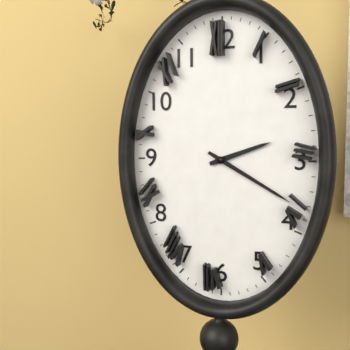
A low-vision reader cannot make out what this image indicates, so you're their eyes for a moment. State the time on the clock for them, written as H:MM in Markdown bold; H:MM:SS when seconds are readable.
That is **2:20**
